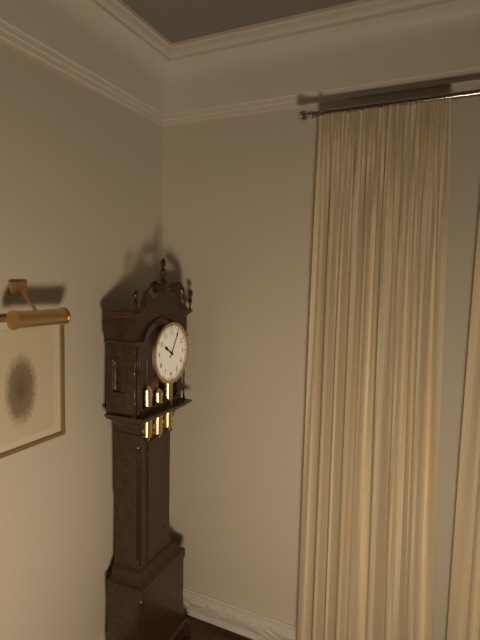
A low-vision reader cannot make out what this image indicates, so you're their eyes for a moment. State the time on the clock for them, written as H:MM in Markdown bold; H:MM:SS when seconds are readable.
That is **10:05**
